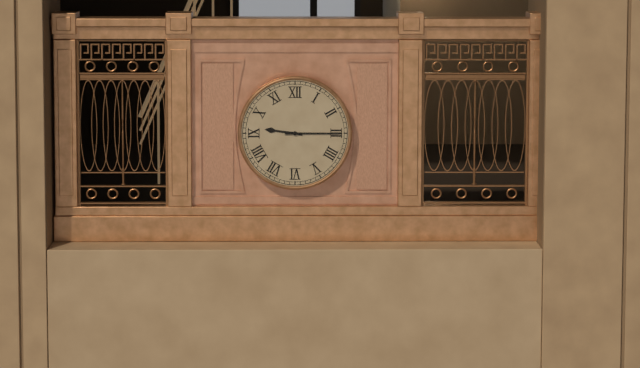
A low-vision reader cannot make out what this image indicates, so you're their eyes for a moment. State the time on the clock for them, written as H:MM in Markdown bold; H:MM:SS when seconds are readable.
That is **9:15**
